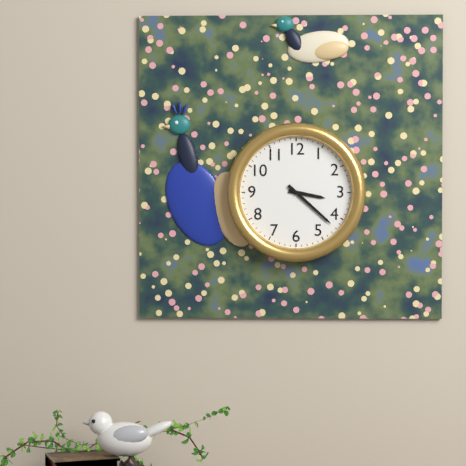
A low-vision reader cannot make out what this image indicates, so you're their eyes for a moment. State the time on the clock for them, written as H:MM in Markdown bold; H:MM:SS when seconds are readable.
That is **3:22**
